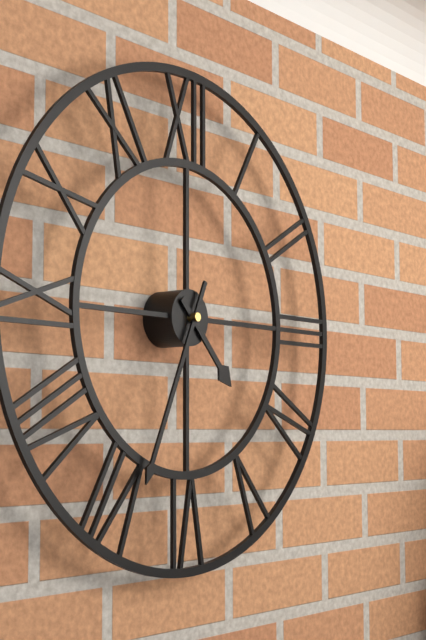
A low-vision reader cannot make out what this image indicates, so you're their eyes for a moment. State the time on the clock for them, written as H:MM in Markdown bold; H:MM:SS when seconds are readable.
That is **4:34**
